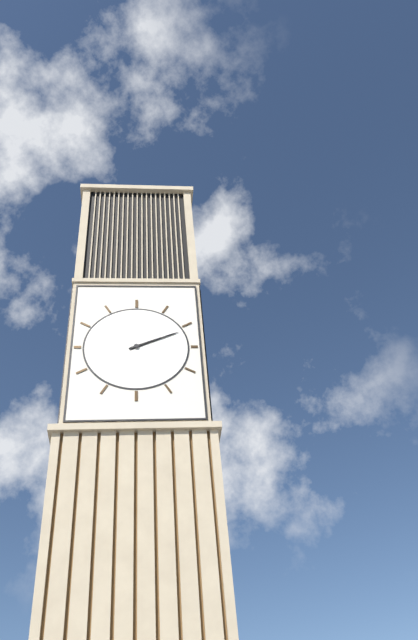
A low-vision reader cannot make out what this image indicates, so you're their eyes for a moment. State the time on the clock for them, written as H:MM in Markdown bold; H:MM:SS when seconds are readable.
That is **2:11**
